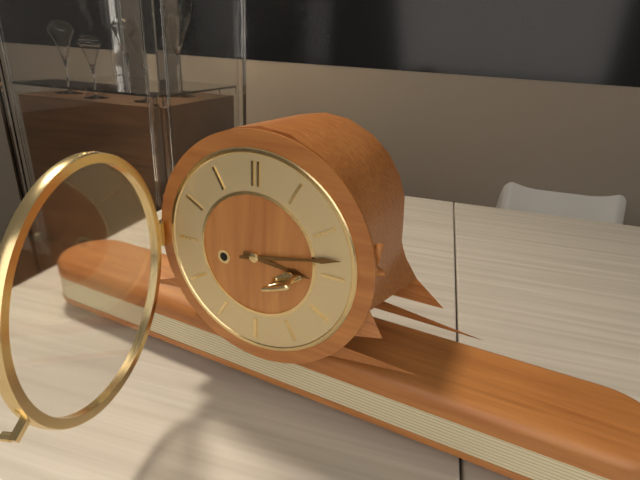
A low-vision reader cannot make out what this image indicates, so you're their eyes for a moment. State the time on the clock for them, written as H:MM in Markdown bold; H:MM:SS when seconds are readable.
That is **3:13**
